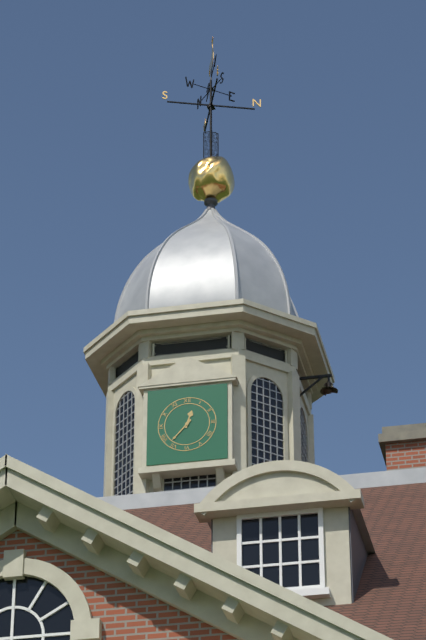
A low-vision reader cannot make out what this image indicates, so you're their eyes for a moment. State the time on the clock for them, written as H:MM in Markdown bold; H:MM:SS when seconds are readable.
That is **12:37**
